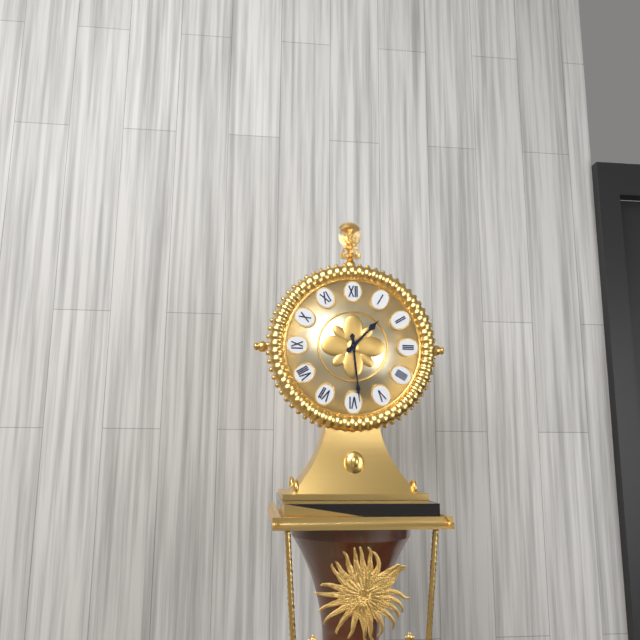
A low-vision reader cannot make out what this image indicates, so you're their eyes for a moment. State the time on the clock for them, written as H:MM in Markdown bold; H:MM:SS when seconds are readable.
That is **1:29**
